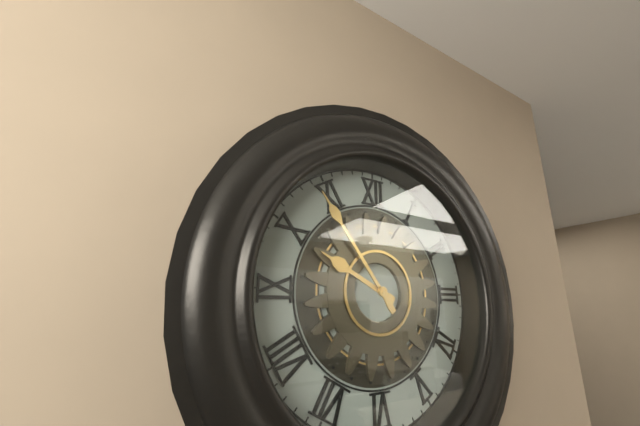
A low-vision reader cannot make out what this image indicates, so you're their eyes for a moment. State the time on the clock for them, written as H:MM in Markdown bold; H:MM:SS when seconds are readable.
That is **9:54**
